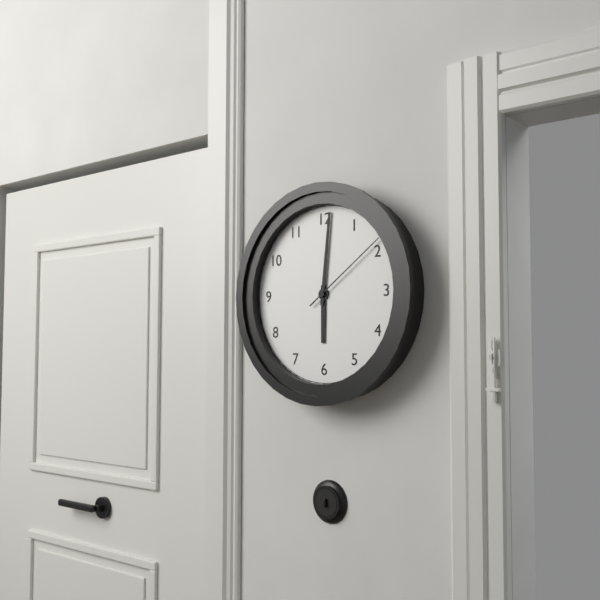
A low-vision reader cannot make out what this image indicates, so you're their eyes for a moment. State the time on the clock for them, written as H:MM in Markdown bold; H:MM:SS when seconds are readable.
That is **6:01:09**
